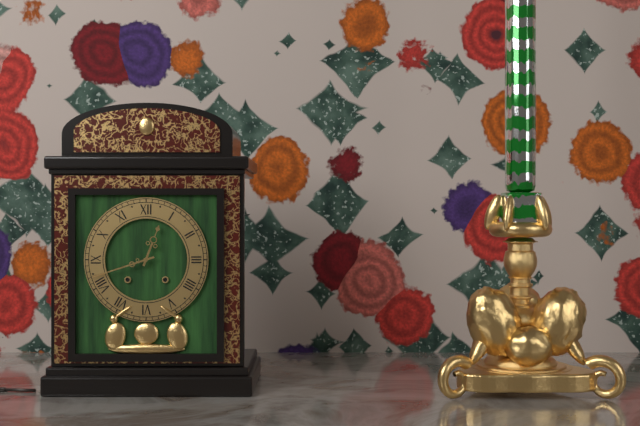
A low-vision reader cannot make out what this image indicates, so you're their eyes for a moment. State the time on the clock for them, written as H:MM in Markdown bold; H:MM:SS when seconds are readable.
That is **12:42**
